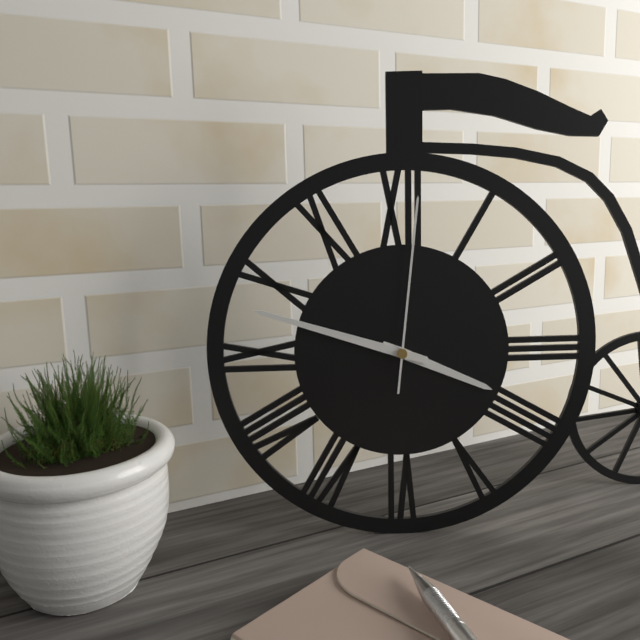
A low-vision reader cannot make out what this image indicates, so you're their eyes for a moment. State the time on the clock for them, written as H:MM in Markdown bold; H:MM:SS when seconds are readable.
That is **3:48:01**
